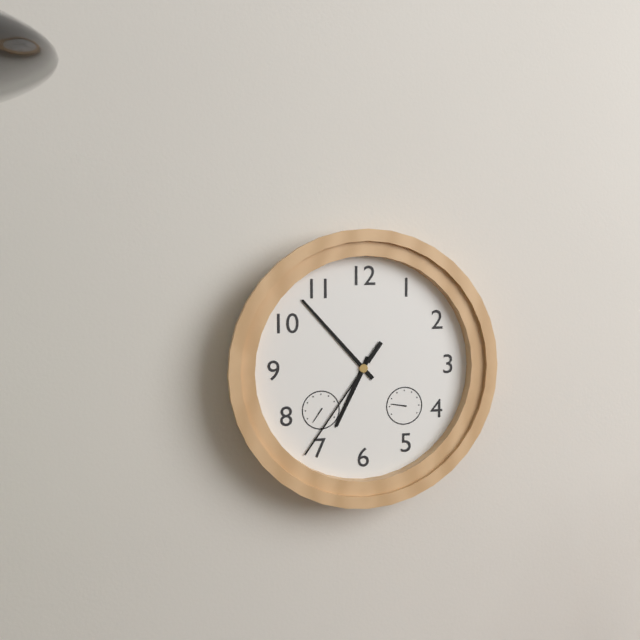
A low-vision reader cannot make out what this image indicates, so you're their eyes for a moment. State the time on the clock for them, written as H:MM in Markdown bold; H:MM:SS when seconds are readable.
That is **6:53:36**
